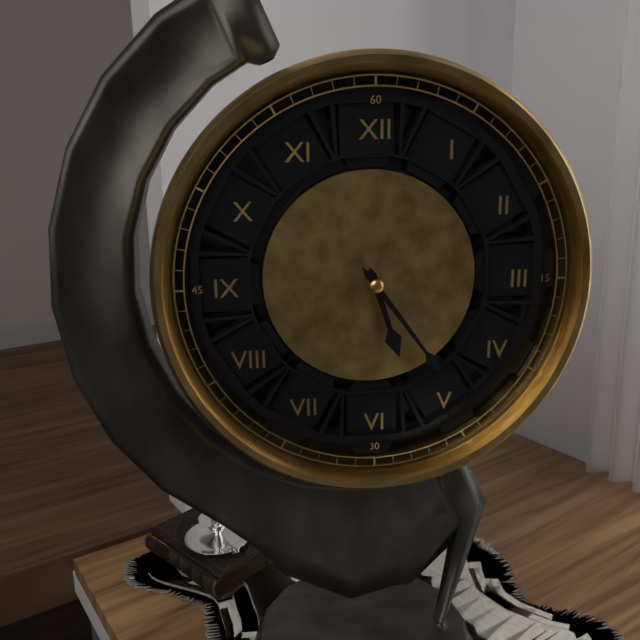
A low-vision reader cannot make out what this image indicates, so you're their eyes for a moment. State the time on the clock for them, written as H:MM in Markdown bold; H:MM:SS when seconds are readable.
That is **5:24**
